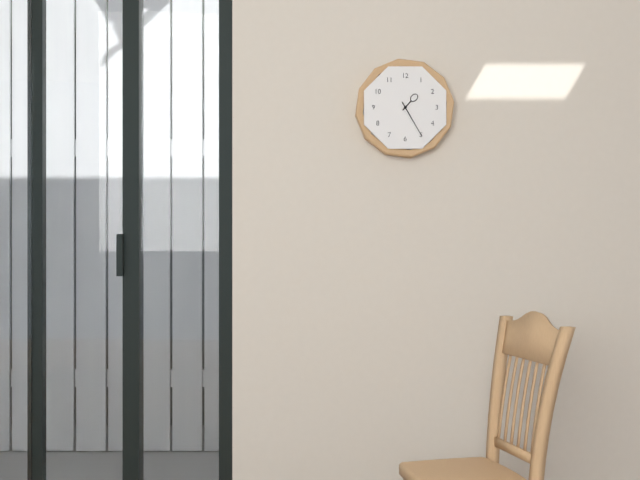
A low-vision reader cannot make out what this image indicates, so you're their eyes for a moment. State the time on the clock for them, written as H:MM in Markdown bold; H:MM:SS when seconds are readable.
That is **1:25**
